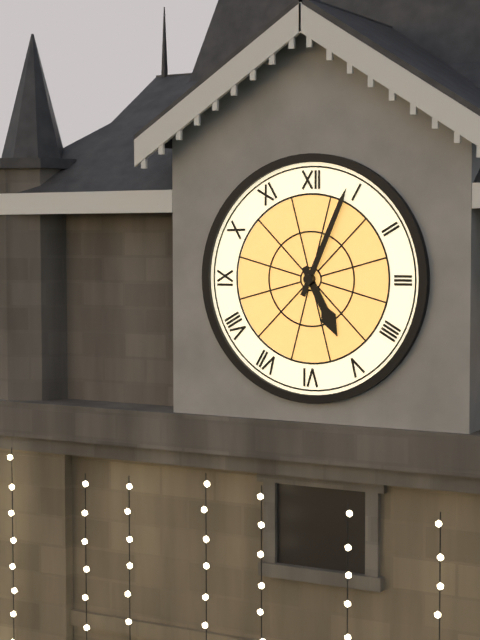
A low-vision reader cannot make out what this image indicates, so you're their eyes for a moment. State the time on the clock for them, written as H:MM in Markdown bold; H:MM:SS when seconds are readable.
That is **5:04**
